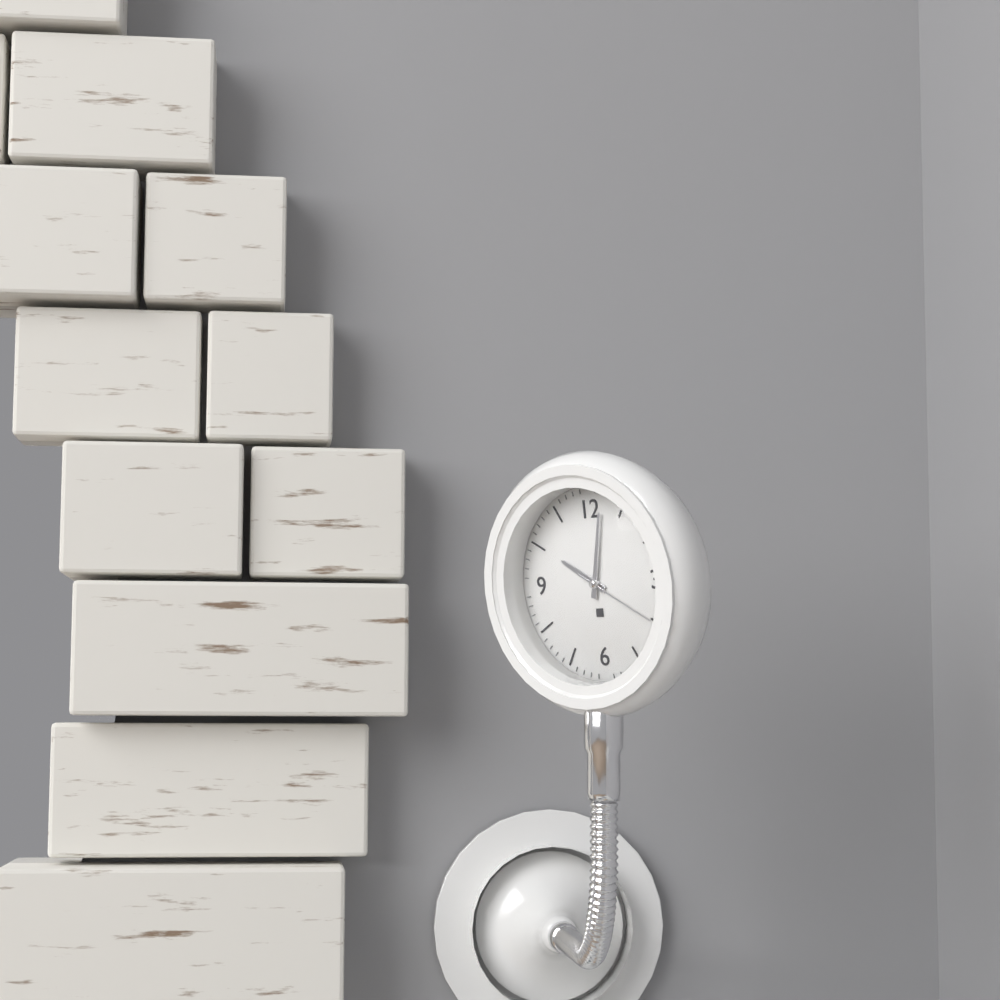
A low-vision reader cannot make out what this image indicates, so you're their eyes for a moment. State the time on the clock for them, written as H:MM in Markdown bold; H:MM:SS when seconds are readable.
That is **10:02:20**
